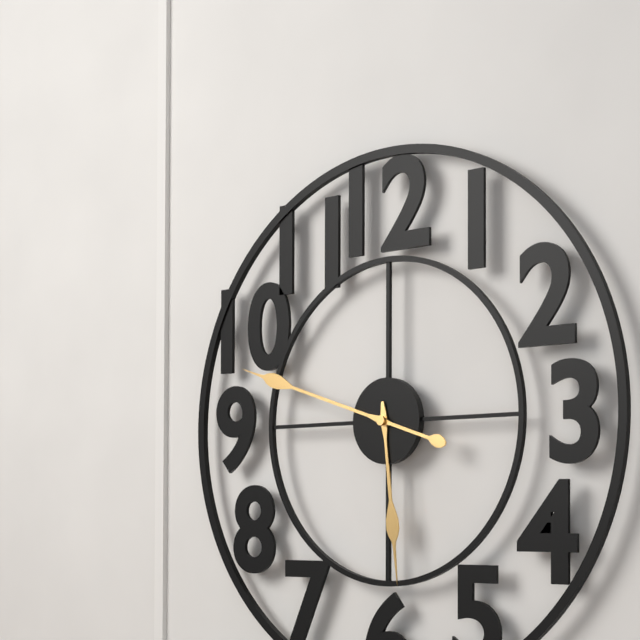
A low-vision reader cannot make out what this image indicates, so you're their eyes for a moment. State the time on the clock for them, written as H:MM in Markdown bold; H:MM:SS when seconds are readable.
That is **5:48**
